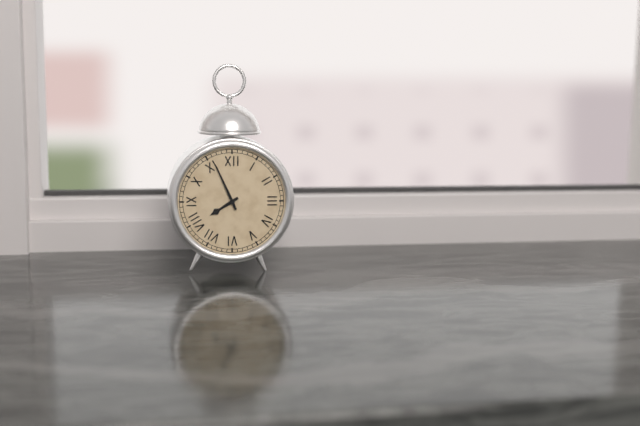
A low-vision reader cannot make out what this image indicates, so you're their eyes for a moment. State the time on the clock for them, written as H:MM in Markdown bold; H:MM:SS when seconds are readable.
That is **7:56**
